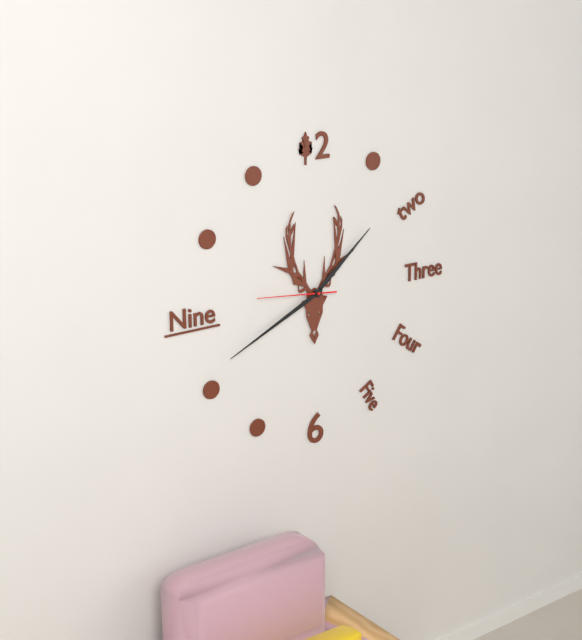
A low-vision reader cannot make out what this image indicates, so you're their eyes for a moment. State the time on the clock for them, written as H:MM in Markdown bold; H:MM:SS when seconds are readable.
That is **1:41:46**
